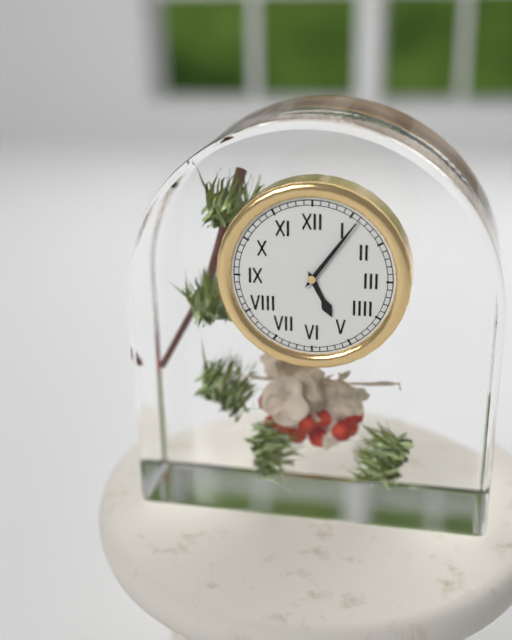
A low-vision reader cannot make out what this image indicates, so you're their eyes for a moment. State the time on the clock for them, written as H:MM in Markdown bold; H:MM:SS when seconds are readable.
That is **5:06**
